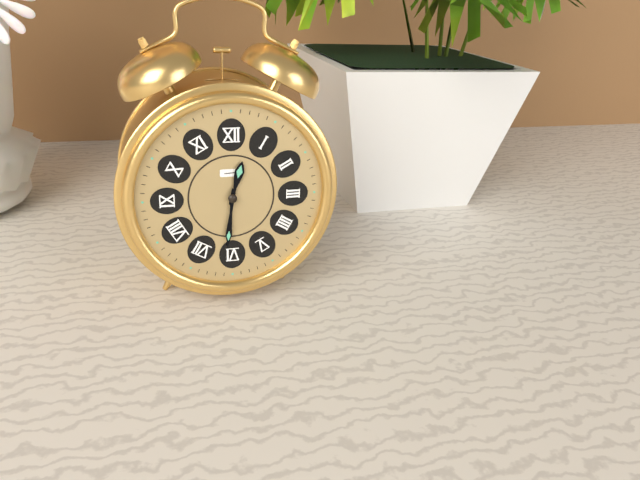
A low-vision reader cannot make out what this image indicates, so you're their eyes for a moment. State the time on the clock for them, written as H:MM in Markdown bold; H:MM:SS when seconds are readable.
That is **12:31**
